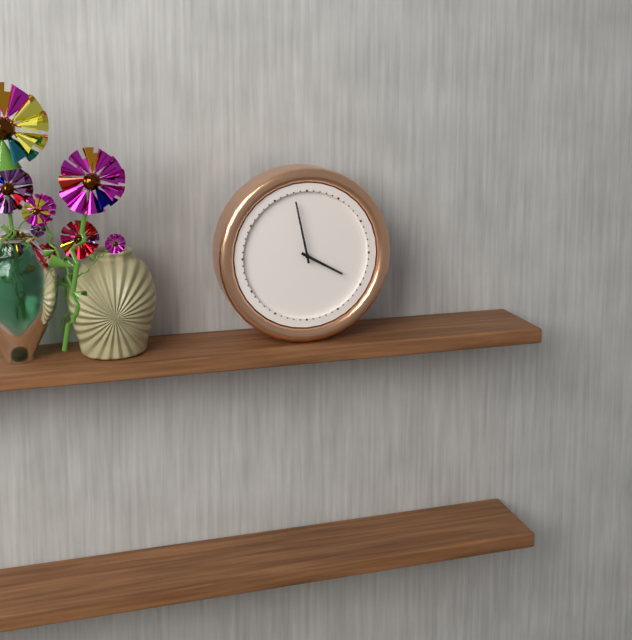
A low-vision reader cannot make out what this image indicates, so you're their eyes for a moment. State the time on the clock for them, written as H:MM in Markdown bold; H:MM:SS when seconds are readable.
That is **3:58**
